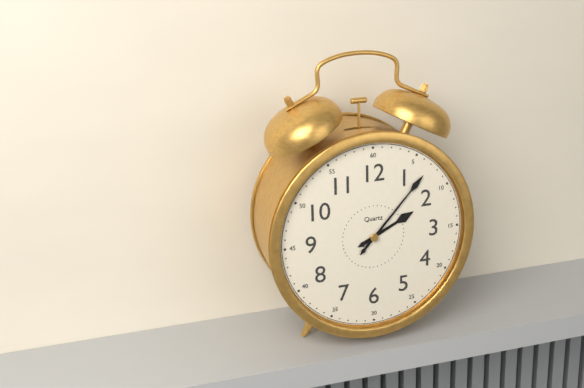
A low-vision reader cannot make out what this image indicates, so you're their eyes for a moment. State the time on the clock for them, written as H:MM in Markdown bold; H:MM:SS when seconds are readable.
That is **2:07**
